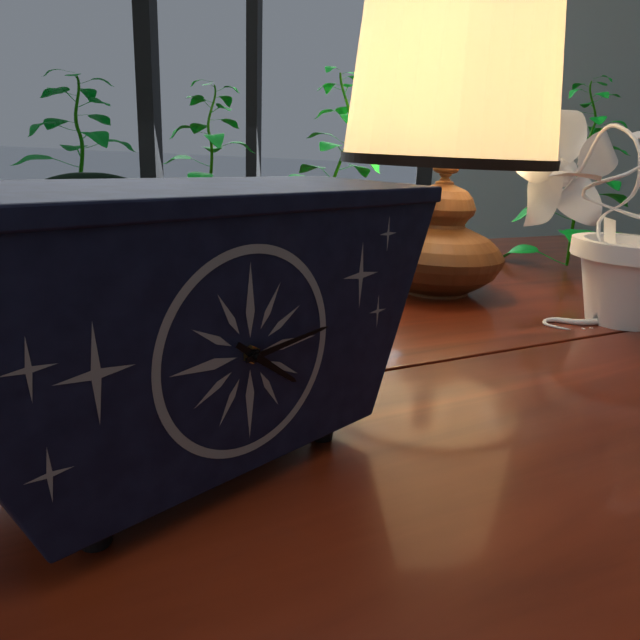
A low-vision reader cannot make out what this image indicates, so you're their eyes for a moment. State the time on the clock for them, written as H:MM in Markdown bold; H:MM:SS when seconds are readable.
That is **4:14**
